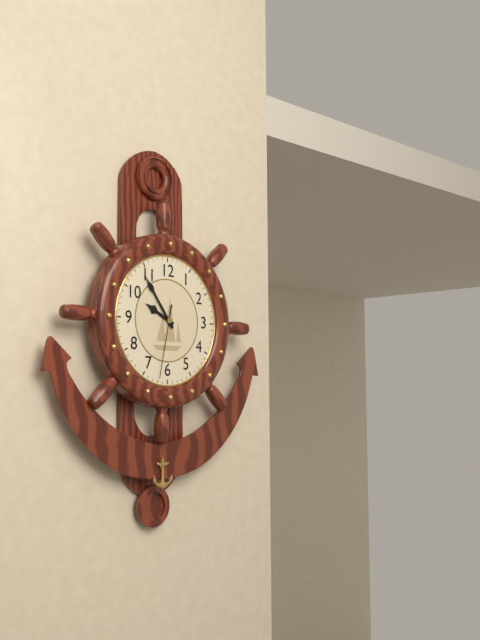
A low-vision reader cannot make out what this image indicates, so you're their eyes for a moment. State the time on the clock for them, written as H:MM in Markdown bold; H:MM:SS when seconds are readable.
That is **9:54:32**
